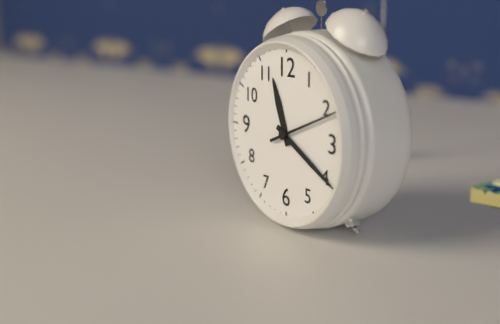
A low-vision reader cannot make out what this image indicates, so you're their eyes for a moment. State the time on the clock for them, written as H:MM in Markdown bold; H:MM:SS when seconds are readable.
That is **11:20:11**
